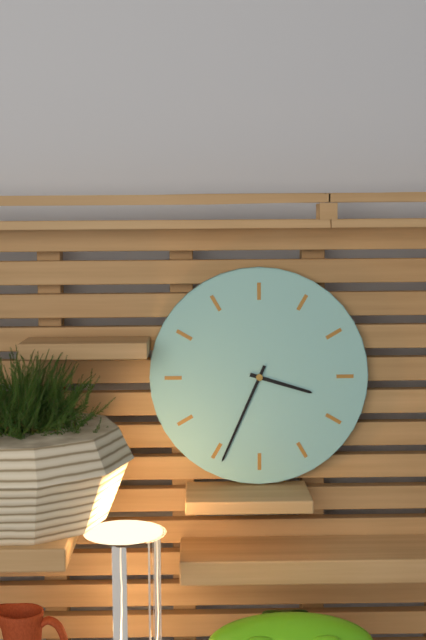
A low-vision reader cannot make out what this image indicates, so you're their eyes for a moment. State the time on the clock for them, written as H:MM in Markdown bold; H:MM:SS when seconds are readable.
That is **3:34**
